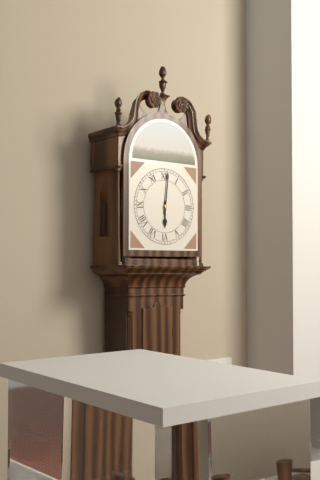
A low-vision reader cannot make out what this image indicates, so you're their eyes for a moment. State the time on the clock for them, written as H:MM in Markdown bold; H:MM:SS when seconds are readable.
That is **6:01**
